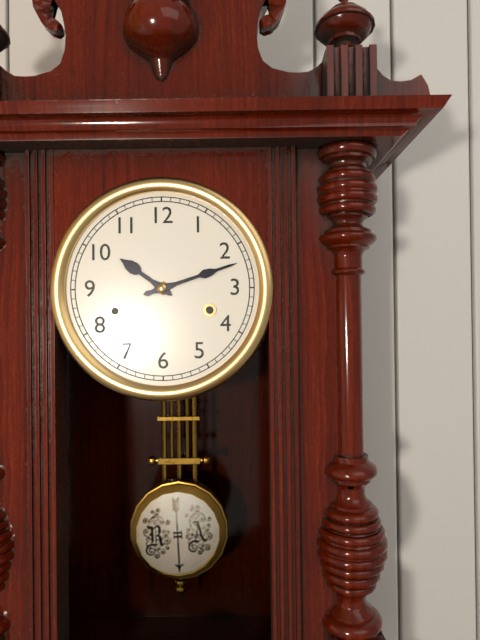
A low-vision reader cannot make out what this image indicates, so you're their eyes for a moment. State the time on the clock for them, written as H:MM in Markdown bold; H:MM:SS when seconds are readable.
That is **10:12**
